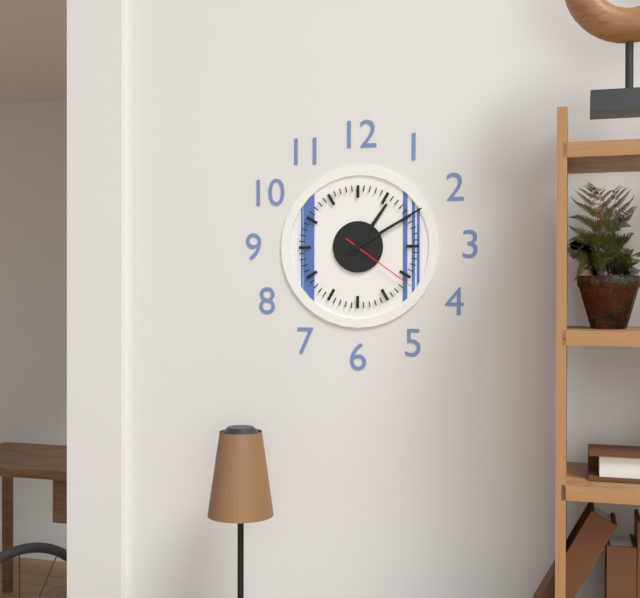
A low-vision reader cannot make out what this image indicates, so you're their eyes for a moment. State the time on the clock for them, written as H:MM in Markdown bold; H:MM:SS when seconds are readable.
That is **1:10:21**
